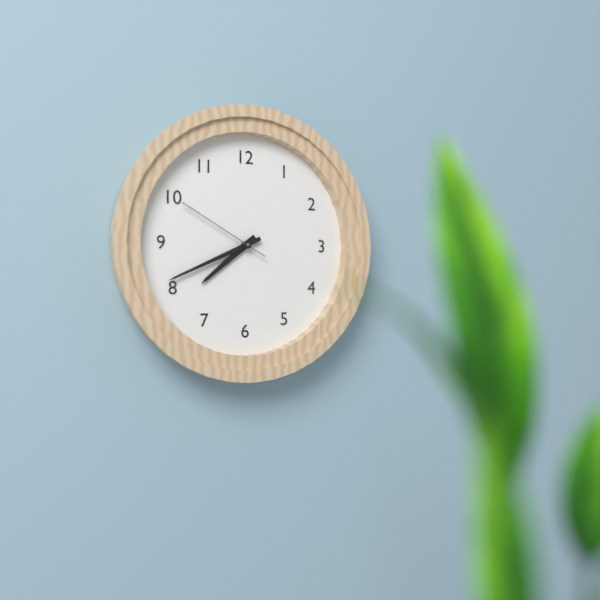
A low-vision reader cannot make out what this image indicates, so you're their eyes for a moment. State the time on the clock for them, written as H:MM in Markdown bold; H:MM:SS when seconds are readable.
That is **7:41:50**
